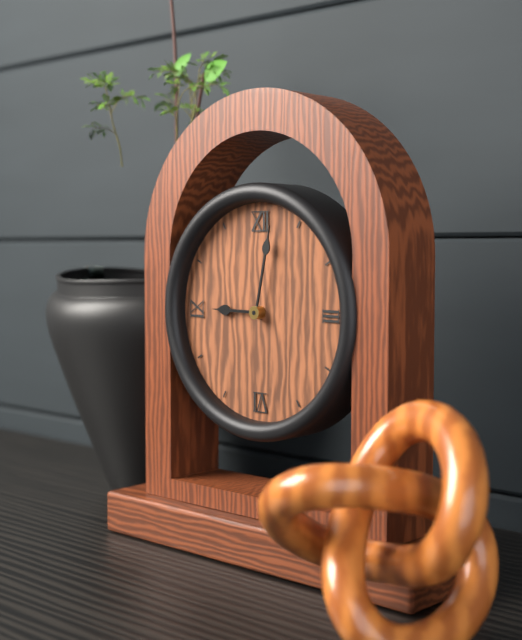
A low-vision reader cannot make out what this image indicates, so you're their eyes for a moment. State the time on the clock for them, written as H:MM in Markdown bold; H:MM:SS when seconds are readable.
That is **9:02**
